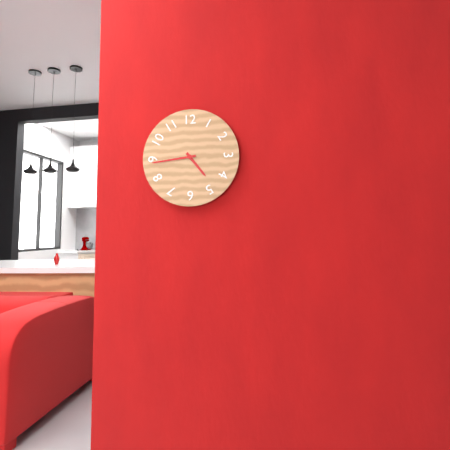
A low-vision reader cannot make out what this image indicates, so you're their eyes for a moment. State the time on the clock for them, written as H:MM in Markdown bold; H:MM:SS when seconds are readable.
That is **4:44**
